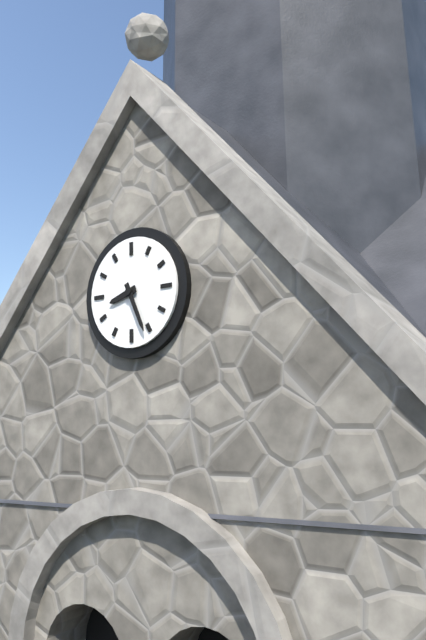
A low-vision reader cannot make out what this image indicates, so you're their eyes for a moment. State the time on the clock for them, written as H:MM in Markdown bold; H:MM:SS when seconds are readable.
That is **8:26**
